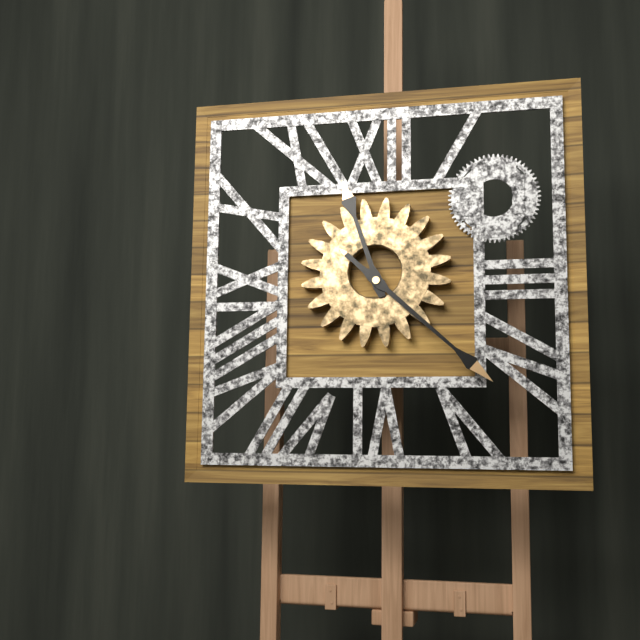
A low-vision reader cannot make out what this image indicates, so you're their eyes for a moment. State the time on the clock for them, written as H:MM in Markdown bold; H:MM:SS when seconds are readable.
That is **11:22**
